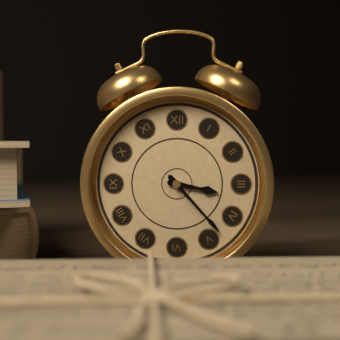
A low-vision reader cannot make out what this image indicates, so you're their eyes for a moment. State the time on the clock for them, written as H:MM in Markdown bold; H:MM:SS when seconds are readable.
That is **3:23**
